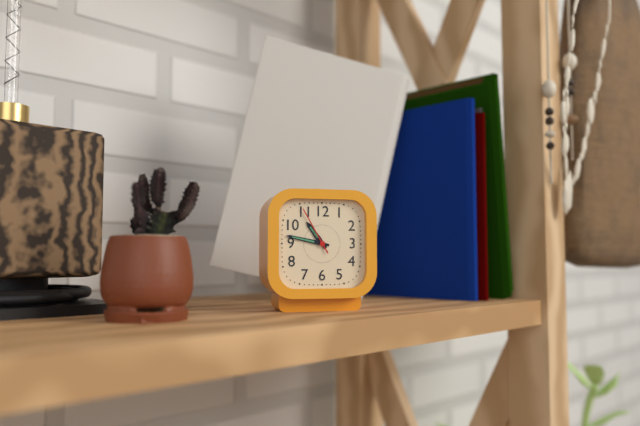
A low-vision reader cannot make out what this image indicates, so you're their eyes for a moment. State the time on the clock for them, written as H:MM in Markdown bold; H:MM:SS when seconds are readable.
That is **10:47**
